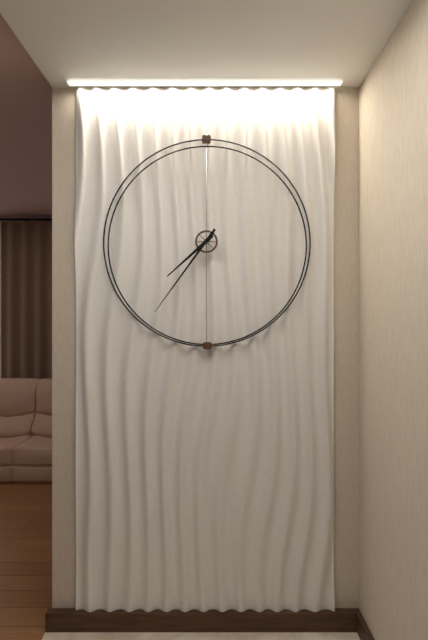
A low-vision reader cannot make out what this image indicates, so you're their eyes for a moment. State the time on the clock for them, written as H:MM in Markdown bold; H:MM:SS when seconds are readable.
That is **7:36**
